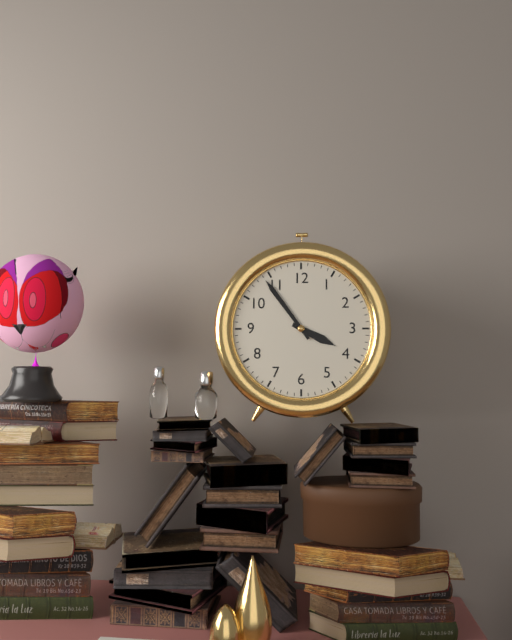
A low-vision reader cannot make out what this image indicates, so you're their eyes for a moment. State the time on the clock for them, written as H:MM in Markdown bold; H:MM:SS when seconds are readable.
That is **3:54**
